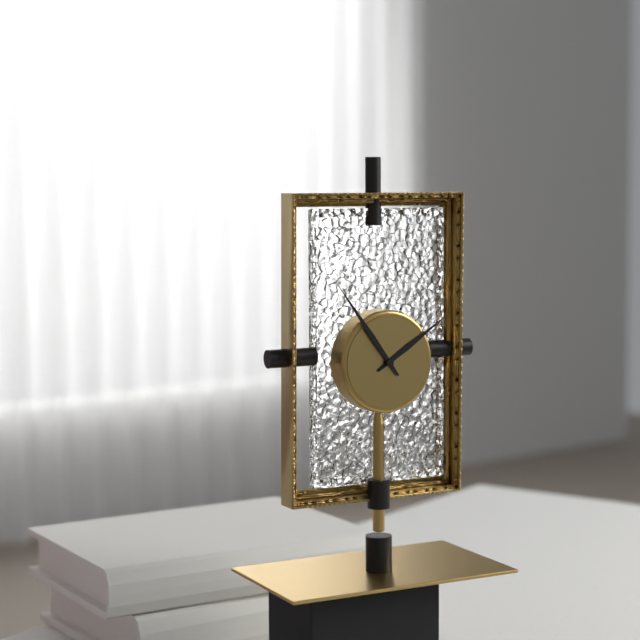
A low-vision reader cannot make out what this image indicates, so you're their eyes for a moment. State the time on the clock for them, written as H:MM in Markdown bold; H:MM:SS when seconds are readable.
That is **1:54**
